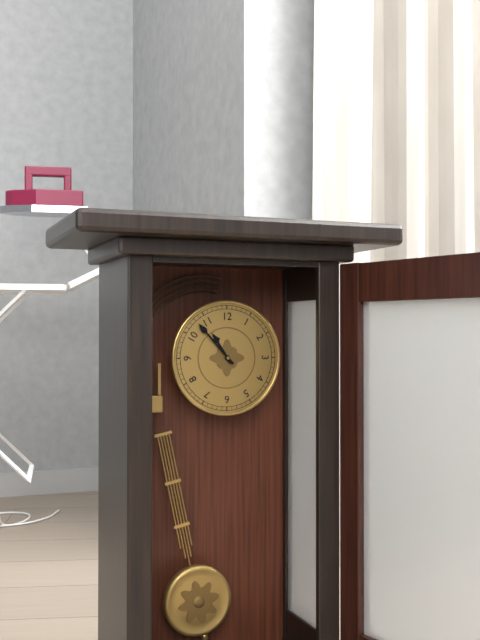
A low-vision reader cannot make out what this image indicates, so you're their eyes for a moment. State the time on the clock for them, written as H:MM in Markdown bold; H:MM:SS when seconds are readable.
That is **10:53**
